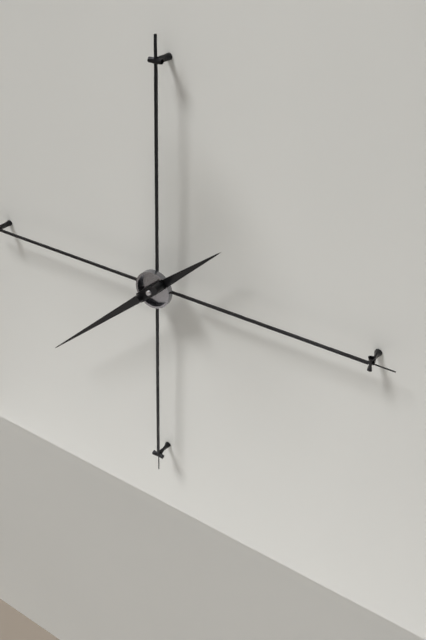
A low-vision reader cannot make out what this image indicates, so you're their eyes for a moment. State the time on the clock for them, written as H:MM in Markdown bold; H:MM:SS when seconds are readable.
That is **1:38**
